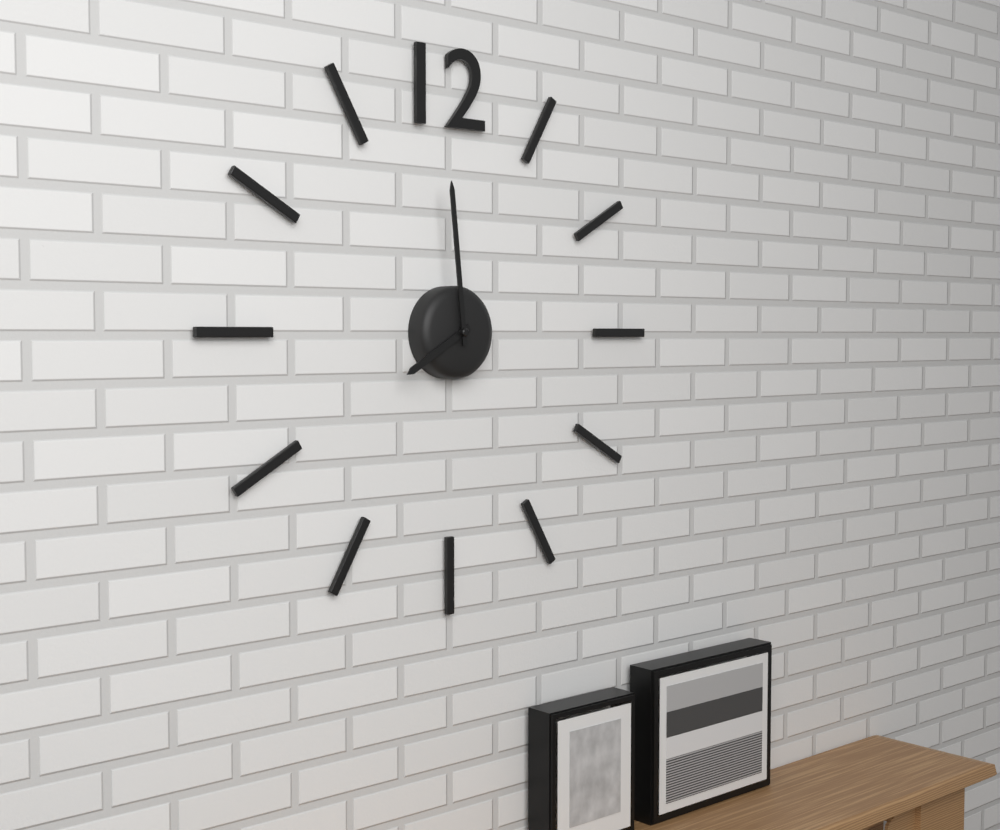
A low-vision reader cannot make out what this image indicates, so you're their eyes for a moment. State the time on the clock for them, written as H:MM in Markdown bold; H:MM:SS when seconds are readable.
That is **7:59**
